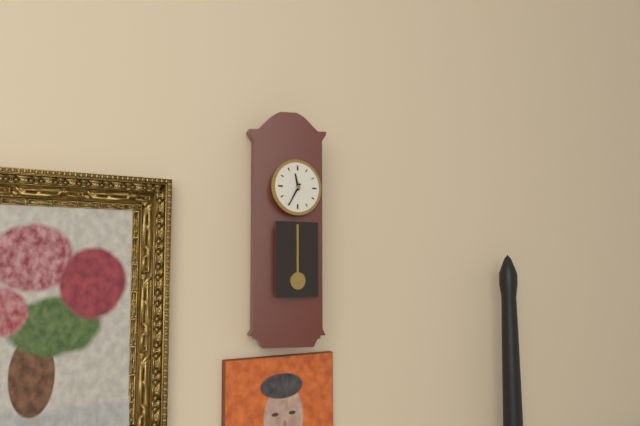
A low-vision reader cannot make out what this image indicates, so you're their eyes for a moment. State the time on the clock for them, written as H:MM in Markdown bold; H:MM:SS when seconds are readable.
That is **11:35**
